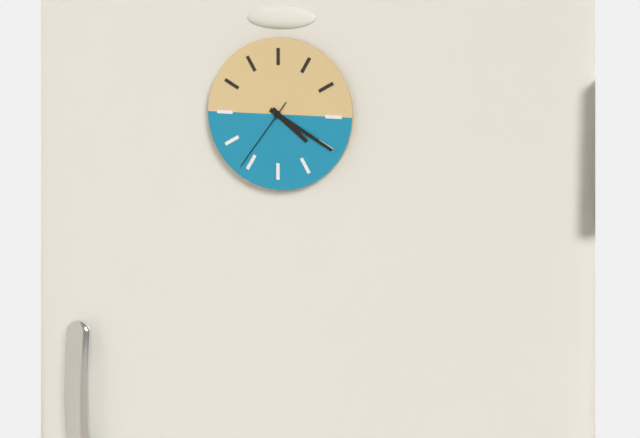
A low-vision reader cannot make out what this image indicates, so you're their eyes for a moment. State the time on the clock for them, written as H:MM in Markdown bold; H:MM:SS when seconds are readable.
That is **4:20:36**
